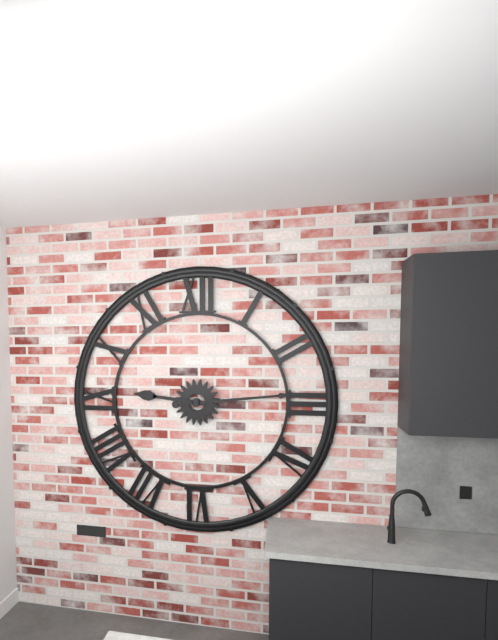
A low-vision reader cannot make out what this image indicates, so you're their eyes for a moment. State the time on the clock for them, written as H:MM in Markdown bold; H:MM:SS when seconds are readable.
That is **9:14**
